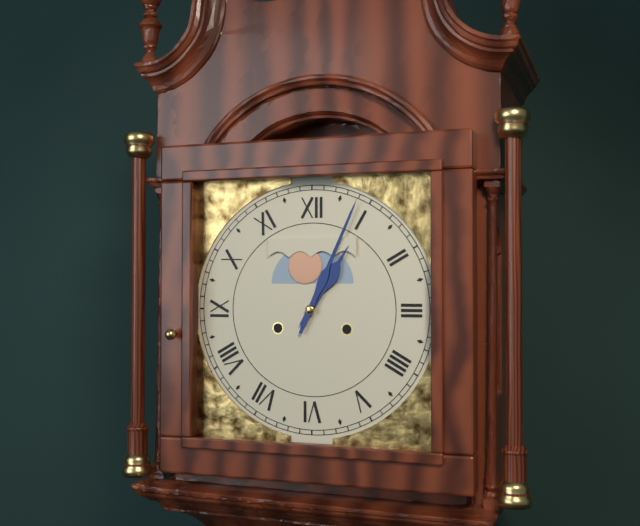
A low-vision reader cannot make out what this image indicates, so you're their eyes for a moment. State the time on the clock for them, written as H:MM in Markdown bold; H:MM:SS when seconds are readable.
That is **1:04**
